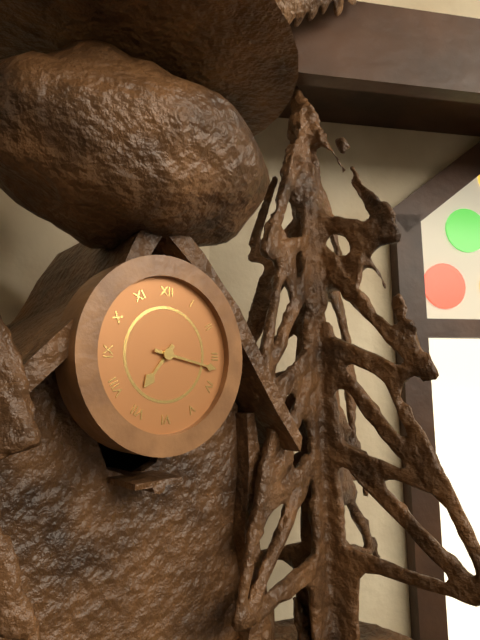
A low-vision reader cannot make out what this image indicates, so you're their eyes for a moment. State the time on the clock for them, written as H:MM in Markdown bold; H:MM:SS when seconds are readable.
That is **7:17**
